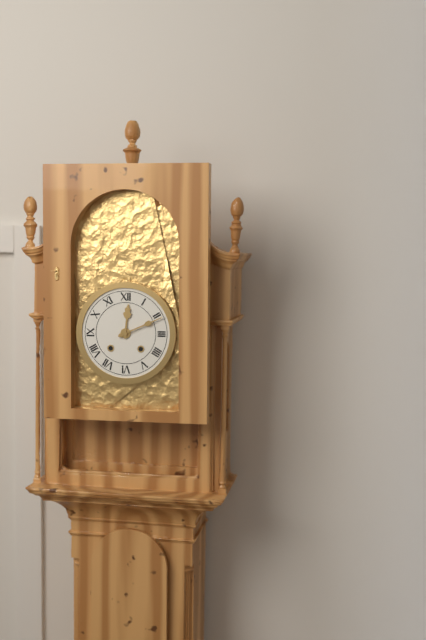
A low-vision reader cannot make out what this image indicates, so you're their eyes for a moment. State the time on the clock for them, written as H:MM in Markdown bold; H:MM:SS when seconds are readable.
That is **12:11**
